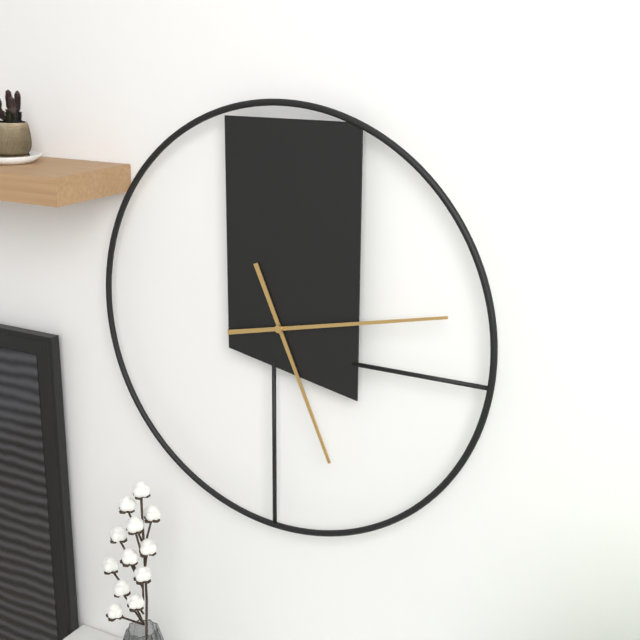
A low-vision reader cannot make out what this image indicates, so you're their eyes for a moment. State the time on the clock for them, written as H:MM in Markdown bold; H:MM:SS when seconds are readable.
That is **5:13**
